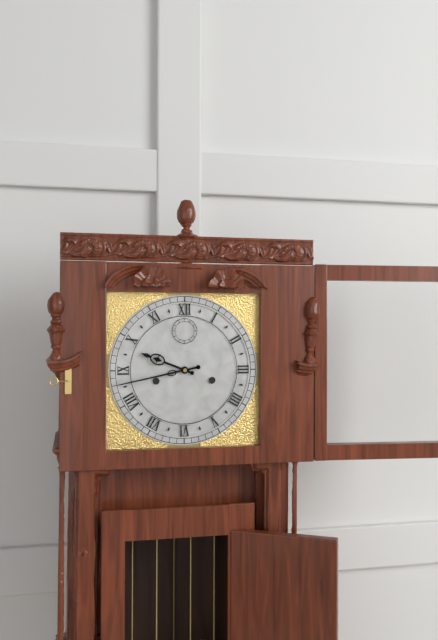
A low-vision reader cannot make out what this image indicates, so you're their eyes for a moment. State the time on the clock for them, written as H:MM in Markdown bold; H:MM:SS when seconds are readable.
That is **9:43**
